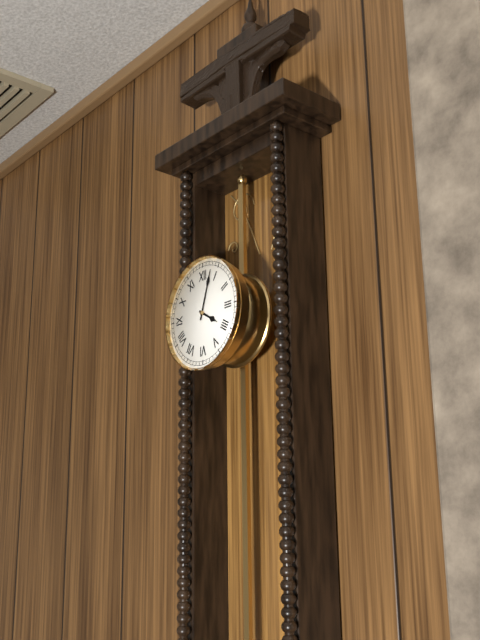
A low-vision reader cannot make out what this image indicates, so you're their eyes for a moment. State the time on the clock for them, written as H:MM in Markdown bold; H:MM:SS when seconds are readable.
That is **4:03**
